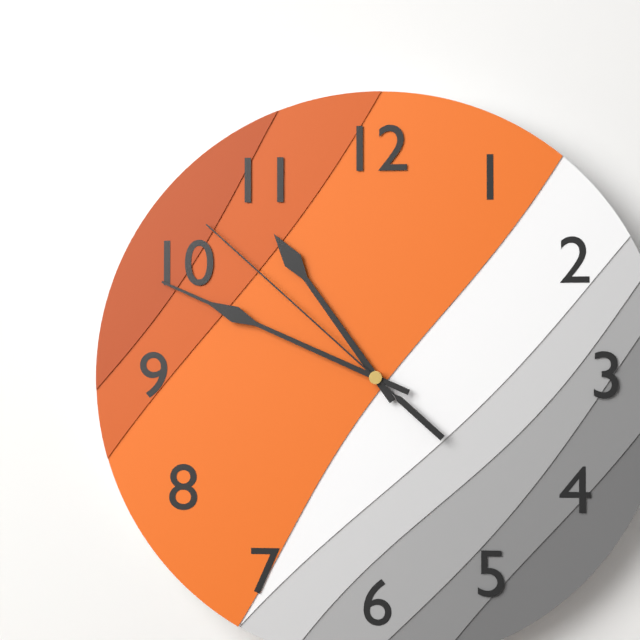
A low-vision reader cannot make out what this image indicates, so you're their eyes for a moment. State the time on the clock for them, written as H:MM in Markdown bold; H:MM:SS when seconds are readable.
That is **10:49:52**
